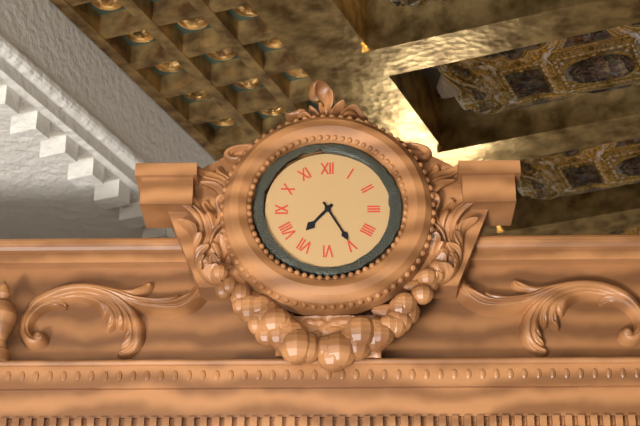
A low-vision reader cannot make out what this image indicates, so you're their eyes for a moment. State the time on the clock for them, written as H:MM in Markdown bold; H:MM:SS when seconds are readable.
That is **7:25**
